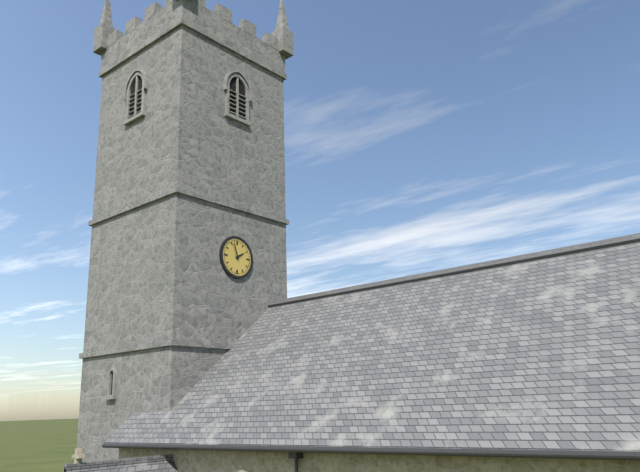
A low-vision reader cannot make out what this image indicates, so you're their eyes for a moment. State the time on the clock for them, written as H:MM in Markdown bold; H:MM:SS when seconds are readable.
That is **1:57**
